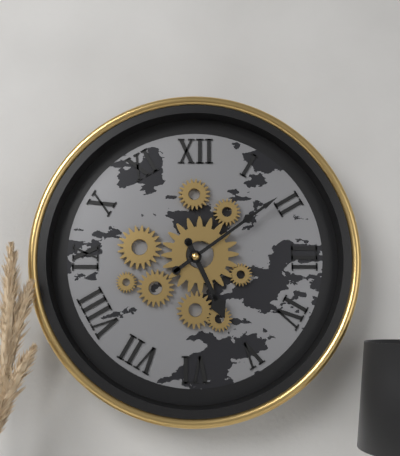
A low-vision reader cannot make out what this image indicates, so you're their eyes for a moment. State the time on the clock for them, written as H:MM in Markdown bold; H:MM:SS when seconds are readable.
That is **5:09**
